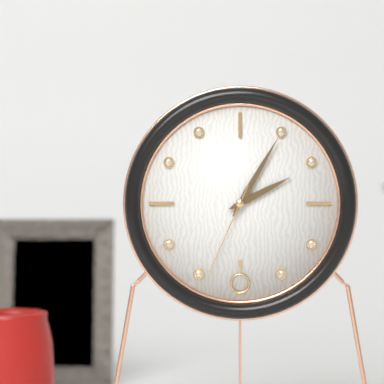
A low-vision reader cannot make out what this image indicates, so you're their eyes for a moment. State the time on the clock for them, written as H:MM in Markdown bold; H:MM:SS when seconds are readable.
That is **2:05:34**
